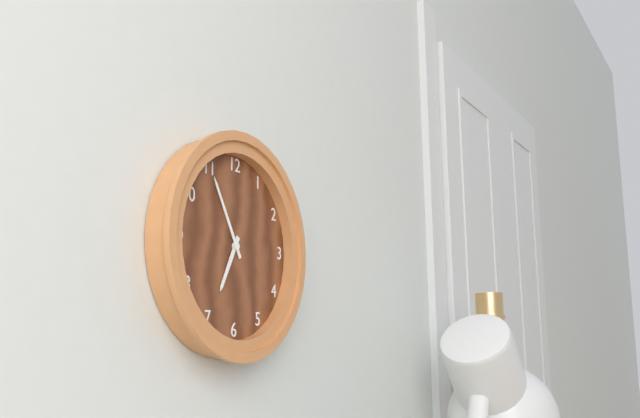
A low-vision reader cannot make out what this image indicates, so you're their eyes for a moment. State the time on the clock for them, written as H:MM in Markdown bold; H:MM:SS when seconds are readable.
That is **6:55**
